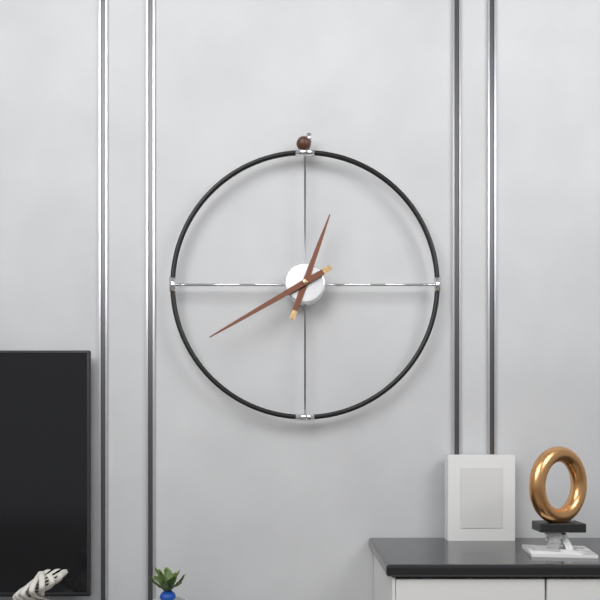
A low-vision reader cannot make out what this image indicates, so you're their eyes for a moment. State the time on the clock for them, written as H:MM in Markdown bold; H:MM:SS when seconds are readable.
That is **12:40**
